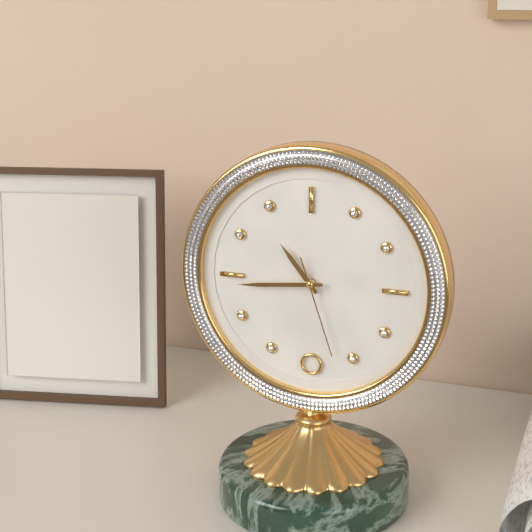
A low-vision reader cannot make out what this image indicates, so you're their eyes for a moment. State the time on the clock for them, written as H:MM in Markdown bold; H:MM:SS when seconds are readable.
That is **10:44:27**
